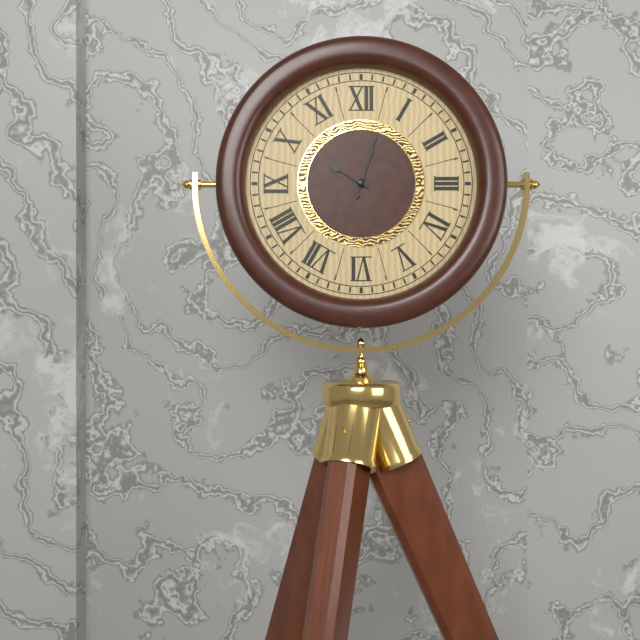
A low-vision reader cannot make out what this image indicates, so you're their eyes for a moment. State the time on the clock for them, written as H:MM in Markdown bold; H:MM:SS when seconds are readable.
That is **10:03**
